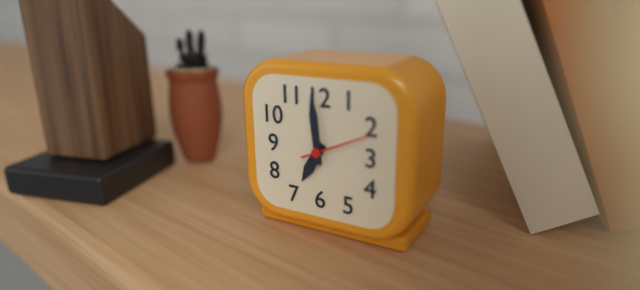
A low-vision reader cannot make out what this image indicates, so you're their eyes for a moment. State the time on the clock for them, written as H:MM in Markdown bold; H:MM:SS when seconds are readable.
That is **6:59**
